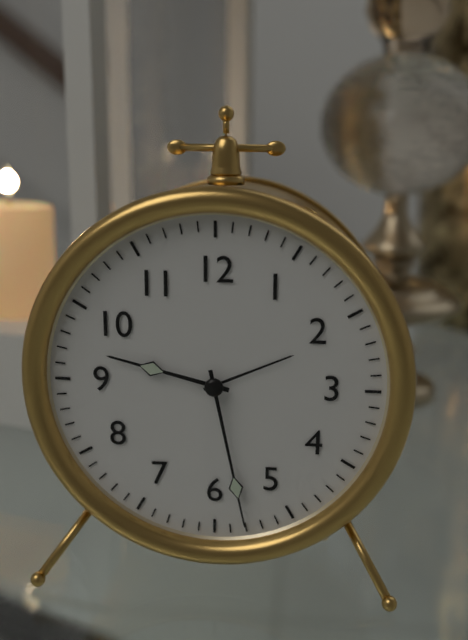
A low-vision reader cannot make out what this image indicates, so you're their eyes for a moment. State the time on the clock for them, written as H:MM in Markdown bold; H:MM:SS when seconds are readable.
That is **9:28**
